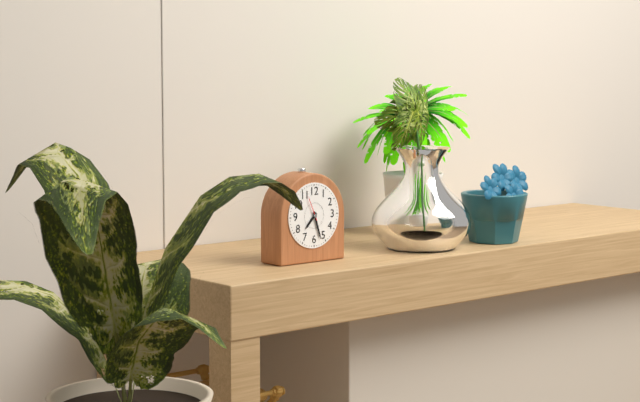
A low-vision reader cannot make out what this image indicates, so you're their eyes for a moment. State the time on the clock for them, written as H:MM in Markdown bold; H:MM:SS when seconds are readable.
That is **7:27**
